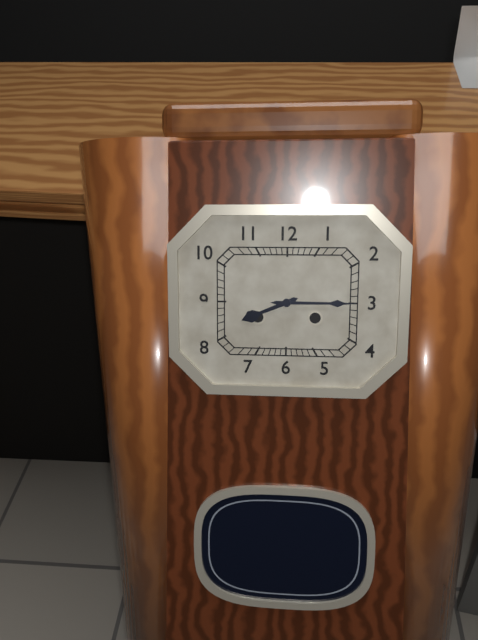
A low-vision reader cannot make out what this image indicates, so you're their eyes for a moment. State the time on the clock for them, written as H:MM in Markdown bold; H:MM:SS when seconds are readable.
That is **8:15**
